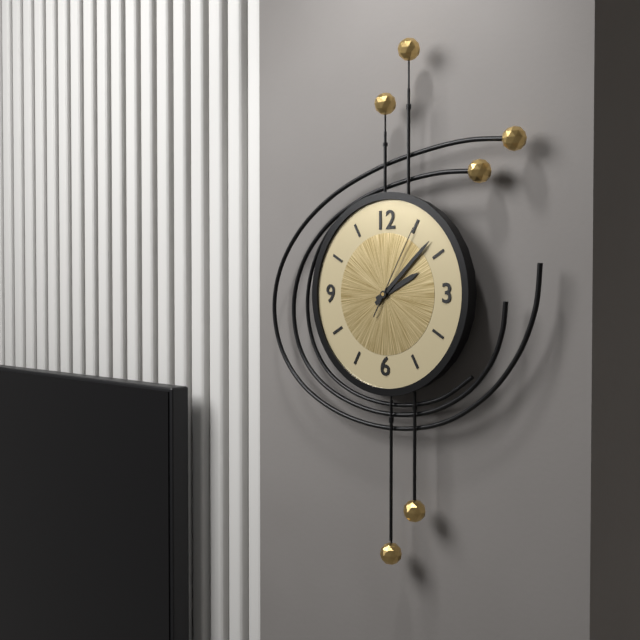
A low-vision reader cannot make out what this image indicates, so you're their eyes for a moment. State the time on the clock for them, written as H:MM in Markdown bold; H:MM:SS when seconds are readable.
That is **2:08:05**
